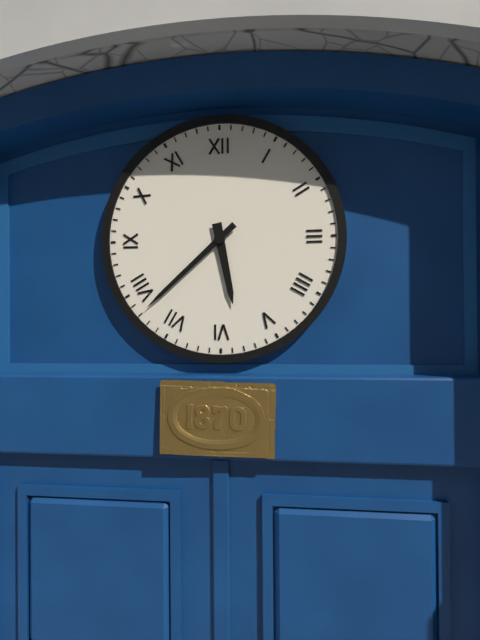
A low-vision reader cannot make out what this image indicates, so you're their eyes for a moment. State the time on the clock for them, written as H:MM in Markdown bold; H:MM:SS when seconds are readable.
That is **5:38**
